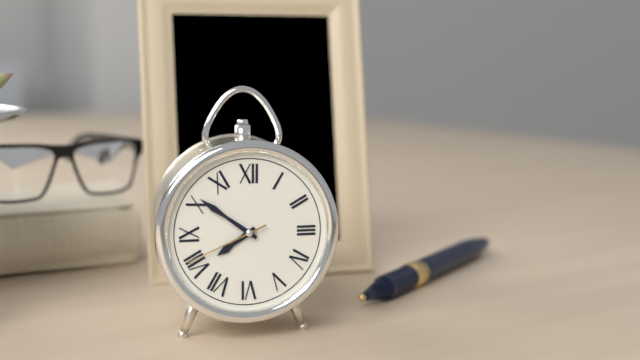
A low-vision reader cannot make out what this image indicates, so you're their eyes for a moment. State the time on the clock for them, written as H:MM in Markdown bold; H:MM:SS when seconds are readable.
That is **7:51:41**
